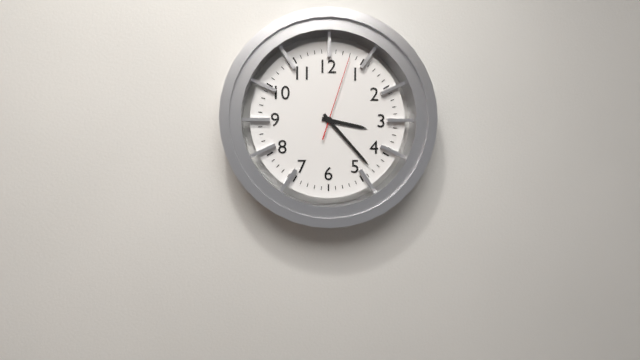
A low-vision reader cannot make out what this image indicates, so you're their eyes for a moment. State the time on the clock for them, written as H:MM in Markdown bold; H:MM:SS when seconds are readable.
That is **3:23:03**
